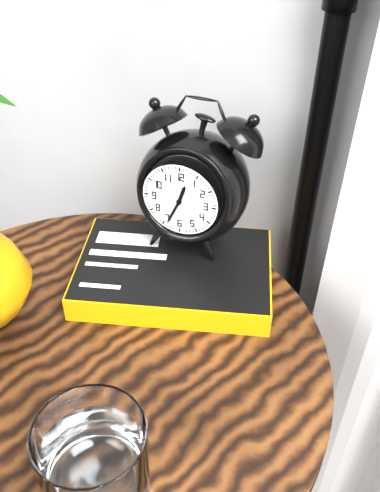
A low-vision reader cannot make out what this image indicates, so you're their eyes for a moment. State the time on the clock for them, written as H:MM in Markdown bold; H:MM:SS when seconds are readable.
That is **12:34**
